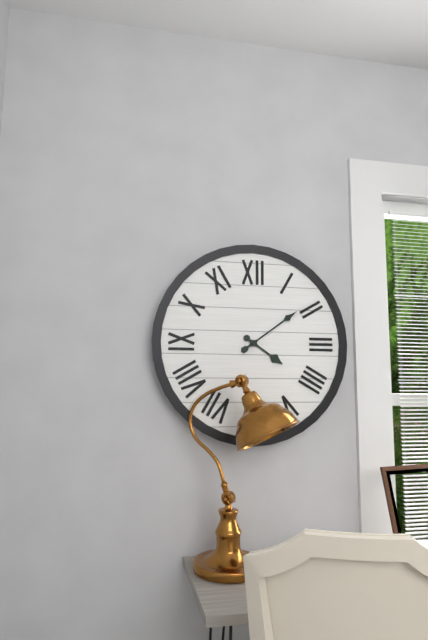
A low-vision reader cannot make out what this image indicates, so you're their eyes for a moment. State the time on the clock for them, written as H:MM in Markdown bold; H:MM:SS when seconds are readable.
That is **4:09**
